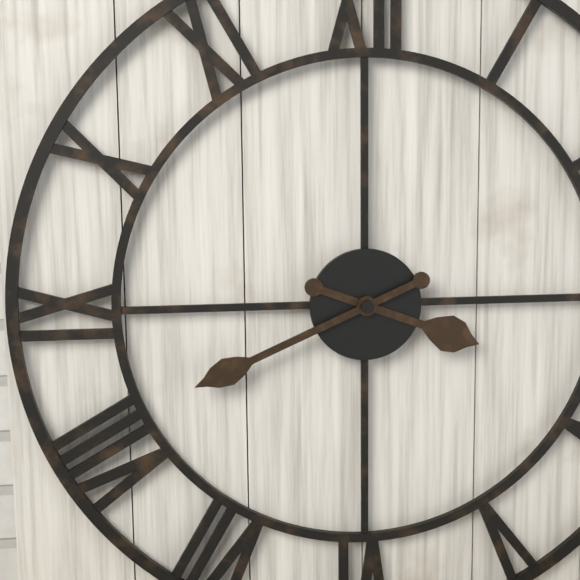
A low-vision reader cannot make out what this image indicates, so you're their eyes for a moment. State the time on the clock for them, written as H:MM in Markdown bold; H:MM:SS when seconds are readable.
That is **3:41**
